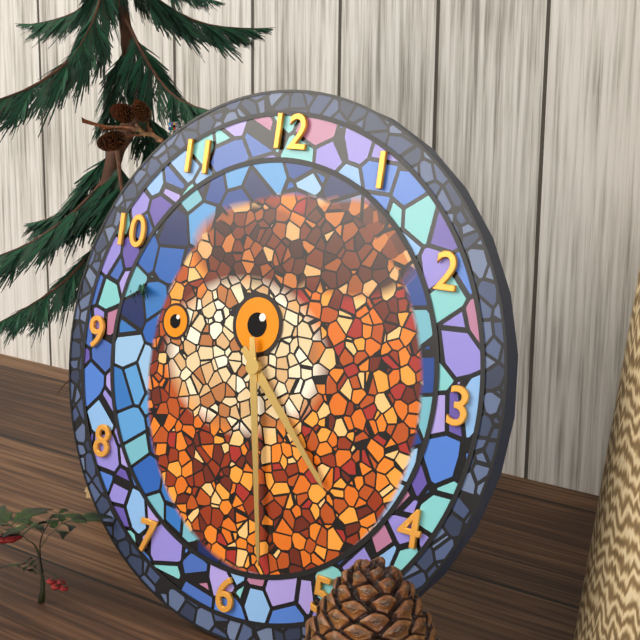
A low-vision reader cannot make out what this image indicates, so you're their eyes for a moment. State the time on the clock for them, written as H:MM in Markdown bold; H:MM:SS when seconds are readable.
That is **4:28**
